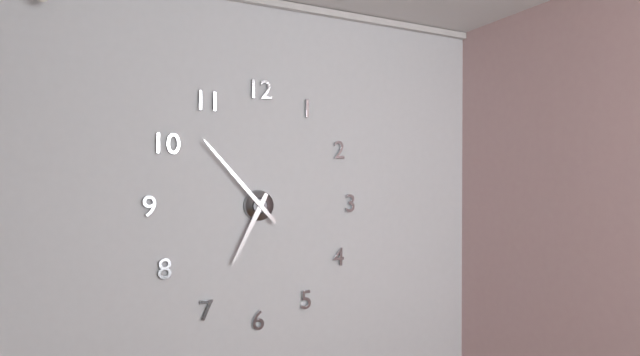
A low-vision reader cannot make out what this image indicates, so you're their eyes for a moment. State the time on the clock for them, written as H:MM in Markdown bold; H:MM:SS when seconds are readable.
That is **6:53**
